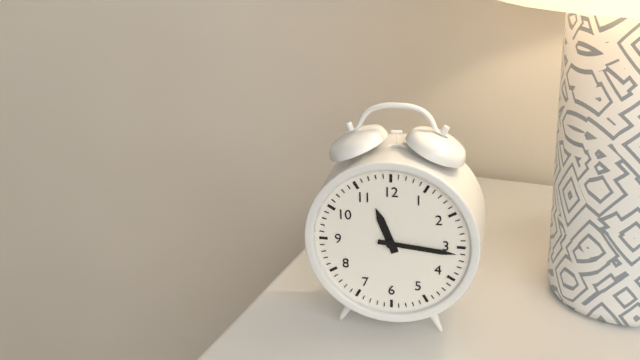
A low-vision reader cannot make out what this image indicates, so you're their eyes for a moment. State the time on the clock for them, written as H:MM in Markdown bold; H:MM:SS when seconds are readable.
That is **11:16**
